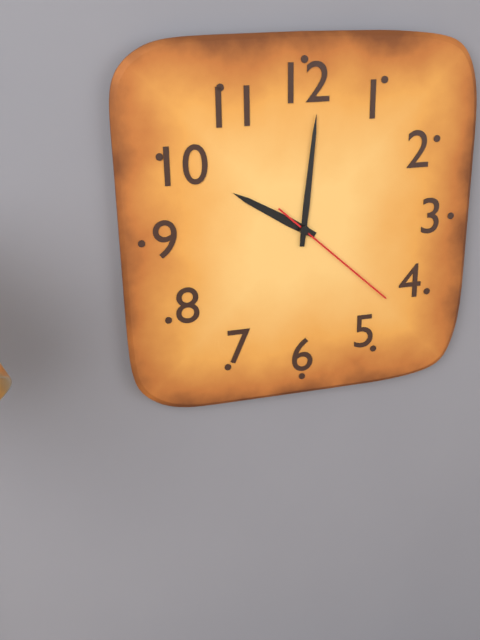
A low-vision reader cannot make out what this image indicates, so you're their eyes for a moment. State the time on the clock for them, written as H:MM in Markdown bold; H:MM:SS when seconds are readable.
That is **10:01:22**
